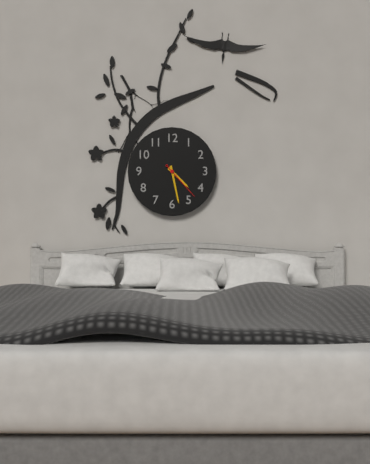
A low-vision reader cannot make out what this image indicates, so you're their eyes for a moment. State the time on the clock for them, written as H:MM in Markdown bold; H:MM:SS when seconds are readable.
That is **4:28**
